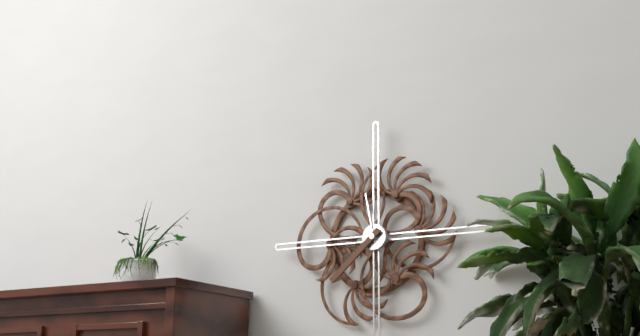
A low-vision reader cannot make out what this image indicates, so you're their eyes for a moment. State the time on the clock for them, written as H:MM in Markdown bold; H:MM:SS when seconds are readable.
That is **11:38**
